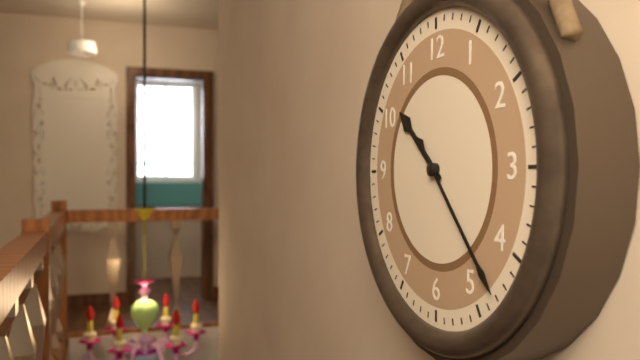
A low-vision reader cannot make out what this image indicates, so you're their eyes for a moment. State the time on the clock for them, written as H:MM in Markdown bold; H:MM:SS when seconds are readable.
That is **10:23**
